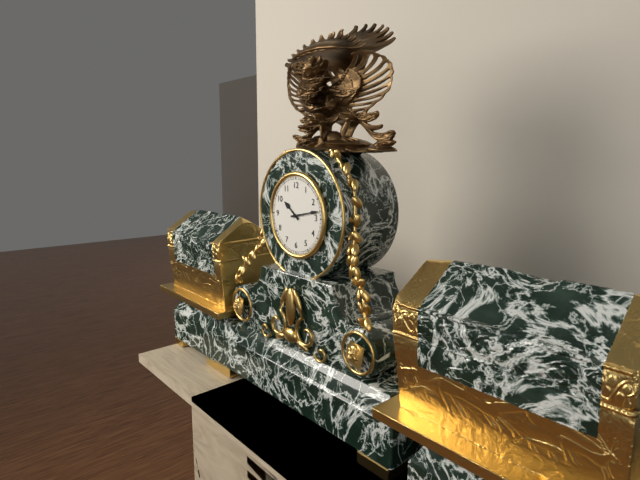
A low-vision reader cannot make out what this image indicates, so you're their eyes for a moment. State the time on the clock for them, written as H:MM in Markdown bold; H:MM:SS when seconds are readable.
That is **10:13**
